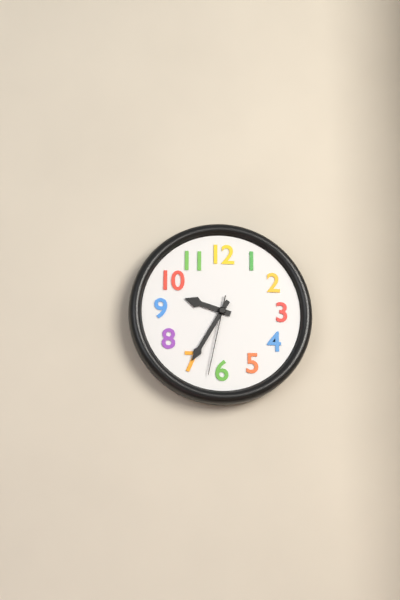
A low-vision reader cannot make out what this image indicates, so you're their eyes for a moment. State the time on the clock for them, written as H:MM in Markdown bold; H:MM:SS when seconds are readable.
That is **9:35:32**
